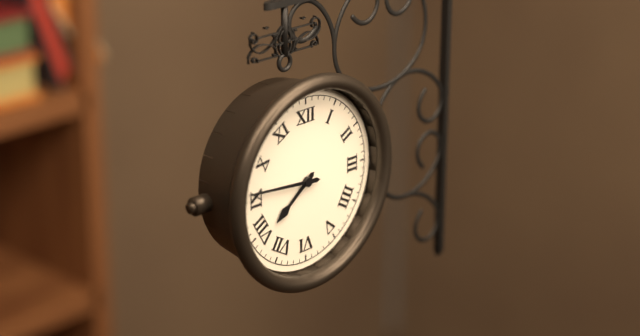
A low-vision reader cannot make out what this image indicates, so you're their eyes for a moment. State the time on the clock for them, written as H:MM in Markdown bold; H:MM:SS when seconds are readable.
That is **7:46**
